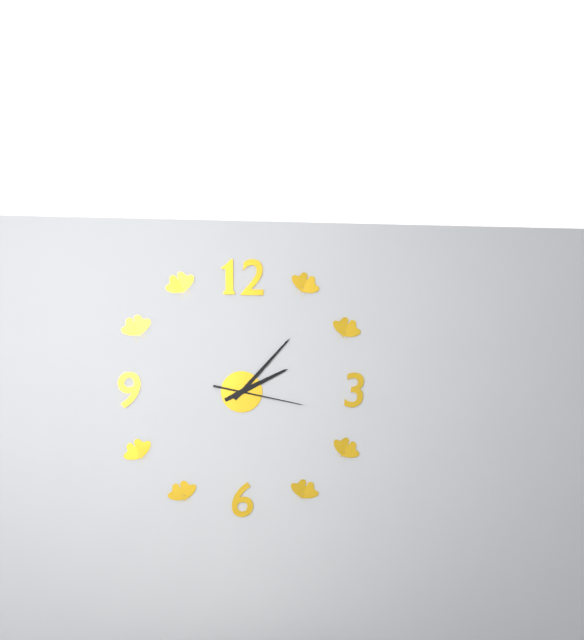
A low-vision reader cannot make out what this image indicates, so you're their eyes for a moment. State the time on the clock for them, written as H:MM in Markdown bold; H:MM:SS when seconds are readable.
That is **2:07:17**
